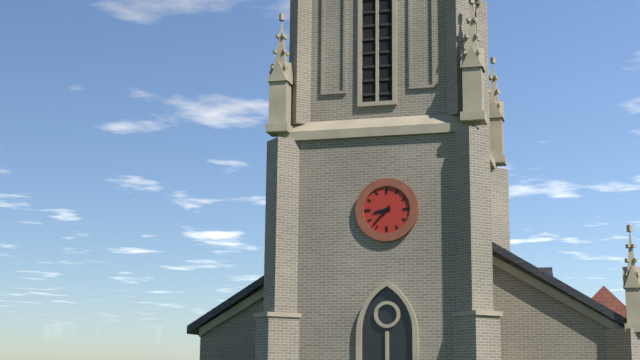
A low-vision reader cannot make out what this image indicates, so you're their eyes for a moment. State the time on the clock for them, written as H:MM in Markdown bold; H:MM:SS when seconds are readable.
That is **8:37**
